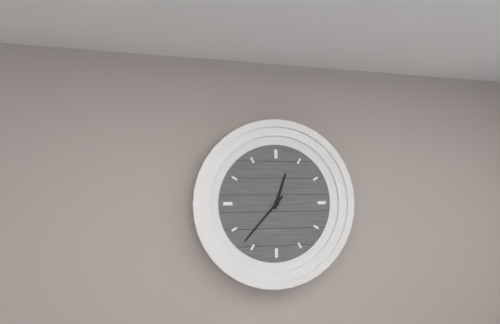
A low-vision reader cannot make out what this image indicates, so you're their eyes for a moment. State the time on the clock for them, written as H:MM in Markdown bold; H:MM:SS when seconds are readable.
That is **12:37**
